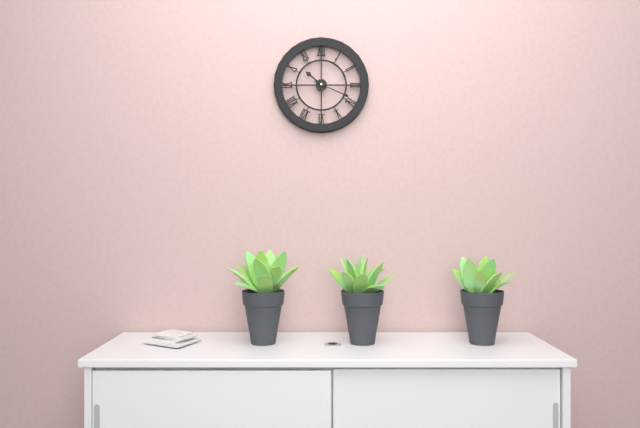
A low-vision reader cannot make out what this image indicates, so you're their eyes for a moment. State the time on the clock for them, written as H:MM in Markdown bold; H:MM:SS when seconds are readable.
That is **10:19**
